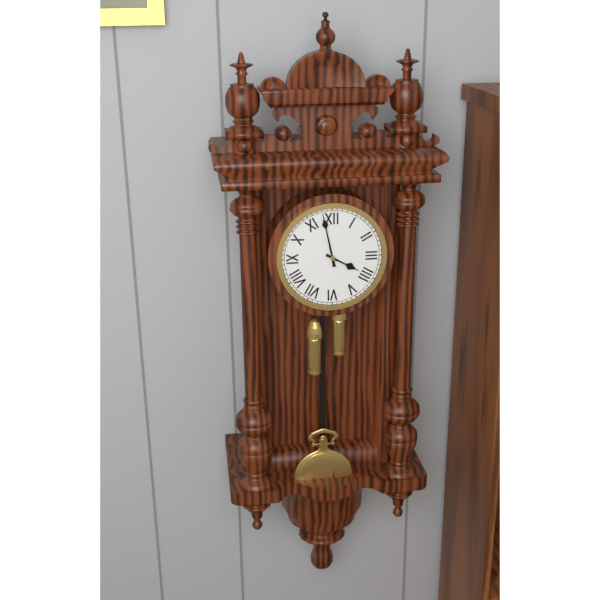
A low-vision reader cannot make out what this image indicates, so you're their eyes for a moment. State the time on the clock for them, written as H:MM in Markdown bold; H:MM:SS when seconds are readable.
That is **3:58**
